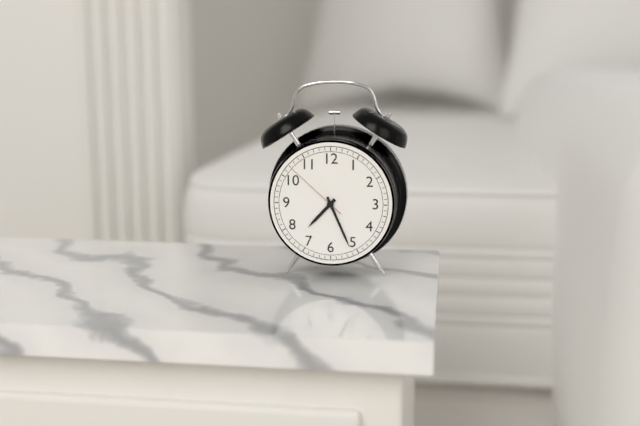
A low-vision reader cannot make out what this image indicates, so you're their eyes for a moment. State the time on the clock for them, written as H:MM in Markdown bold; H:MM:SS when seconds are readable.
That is **7:26:52**
